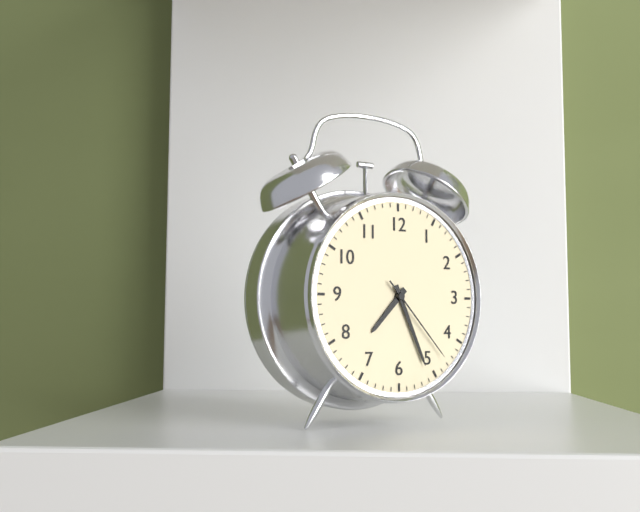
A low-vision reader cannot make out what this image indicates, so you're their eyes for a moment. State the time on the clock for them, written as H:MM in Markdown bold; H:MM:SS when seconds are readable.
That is **7:26:23**
